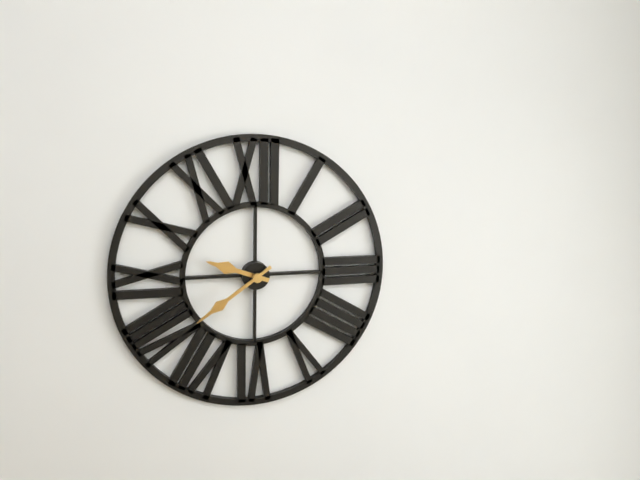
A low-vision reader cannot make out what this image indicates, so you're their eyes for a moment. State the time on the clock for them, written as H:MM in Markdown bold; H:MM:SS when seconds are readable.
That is **9:39**
